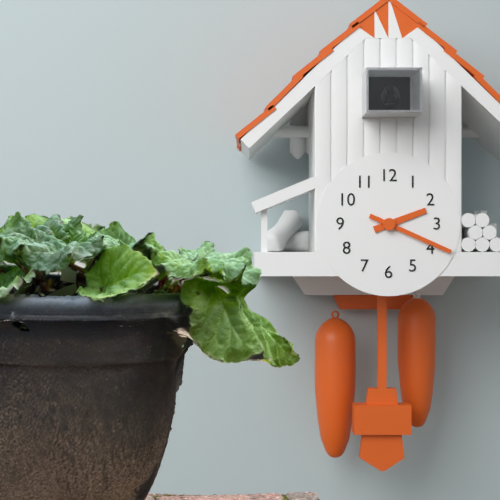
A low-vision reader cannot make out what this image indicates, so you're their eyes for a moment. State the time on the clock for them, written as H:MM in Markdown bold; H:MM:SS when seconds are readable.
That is **2:19**
